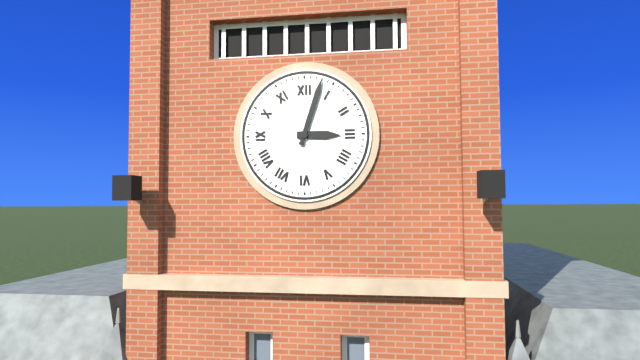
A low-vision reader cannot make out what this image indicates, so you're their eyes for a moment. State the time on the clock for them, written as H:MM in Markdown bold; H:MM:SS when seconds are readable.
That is **3:03**
